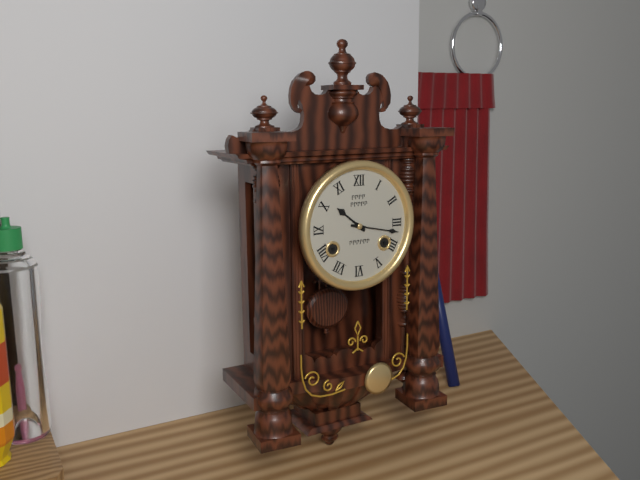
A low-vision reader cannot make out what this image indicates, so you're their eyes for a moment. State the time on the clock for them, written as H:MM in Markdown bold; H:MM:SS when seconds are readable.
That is **10:17**
